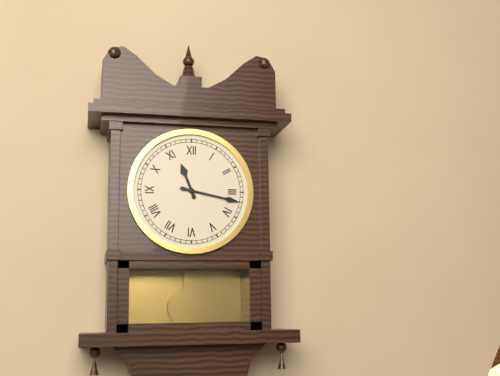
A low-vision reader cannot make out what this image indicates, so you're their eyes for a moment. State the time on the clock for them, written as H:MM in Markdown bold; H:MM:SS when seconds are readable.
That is **11:17**
